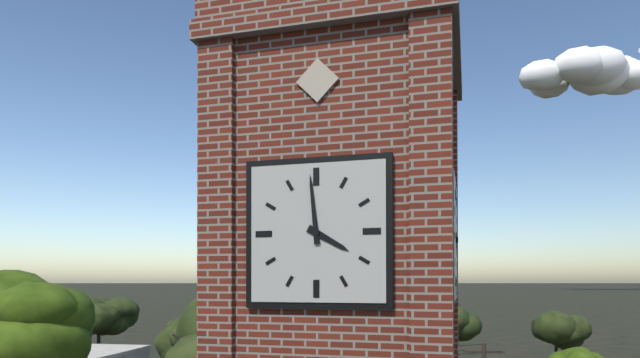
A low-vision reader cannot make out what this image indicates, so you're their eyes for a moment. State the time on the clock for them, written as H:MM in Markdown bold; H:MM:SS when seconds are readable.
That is **3:59**
